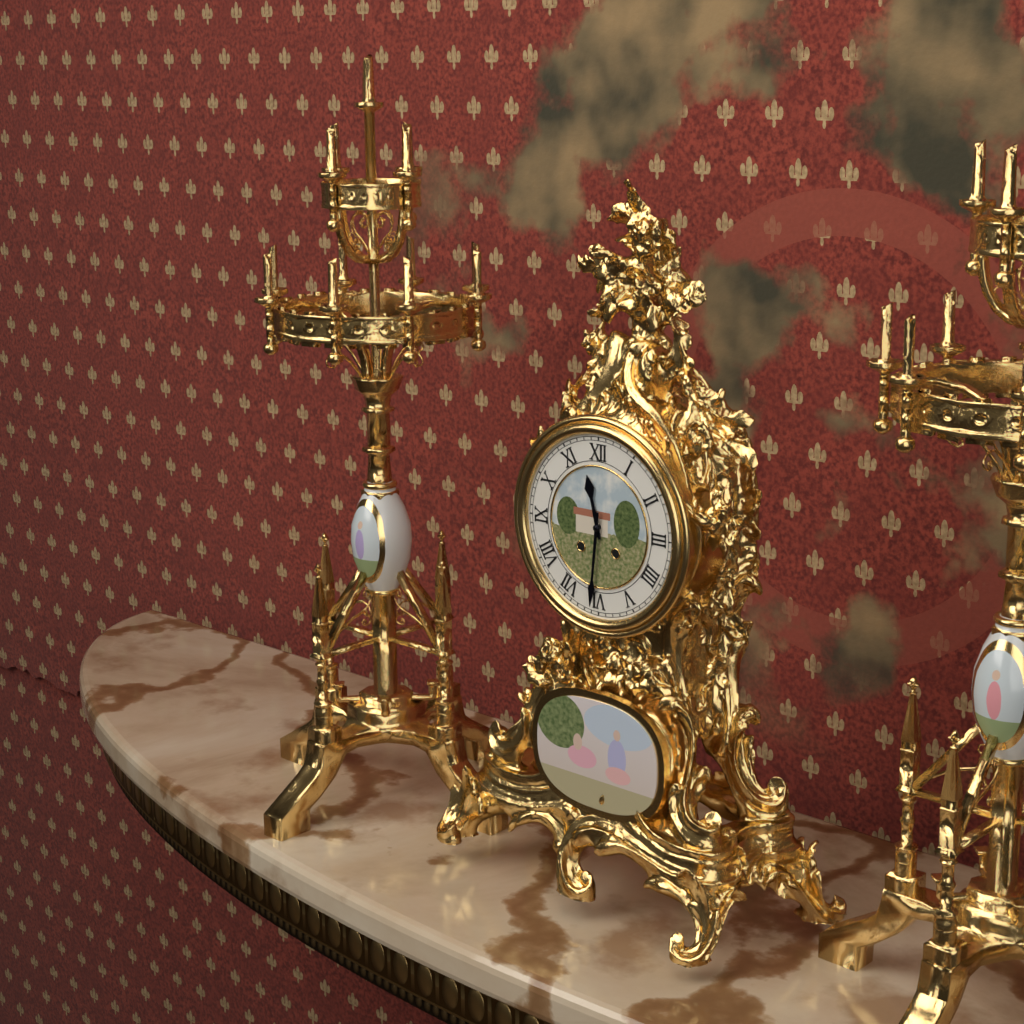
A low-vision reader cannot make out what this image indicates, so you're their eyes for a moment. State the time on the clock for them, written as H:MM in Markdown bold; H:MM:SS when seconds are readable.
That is **11:31**
